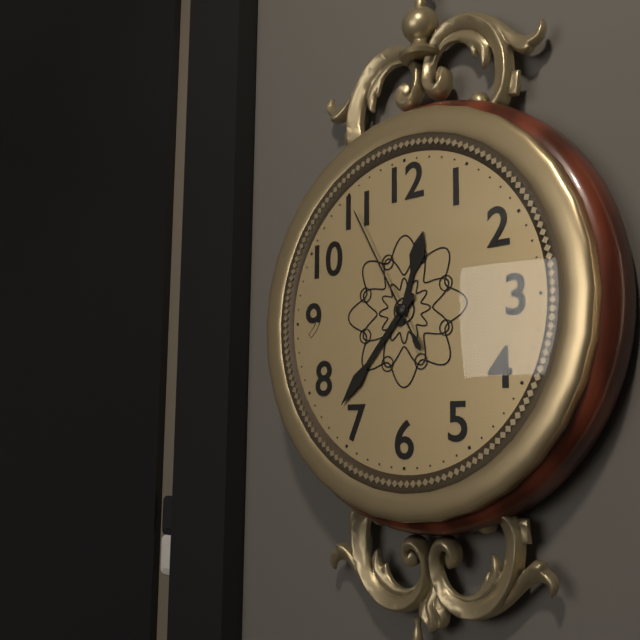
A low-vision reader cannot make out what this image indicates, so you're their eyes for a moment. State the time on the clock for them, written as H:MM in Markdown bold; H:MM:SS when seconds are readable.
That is **12:37:55**
